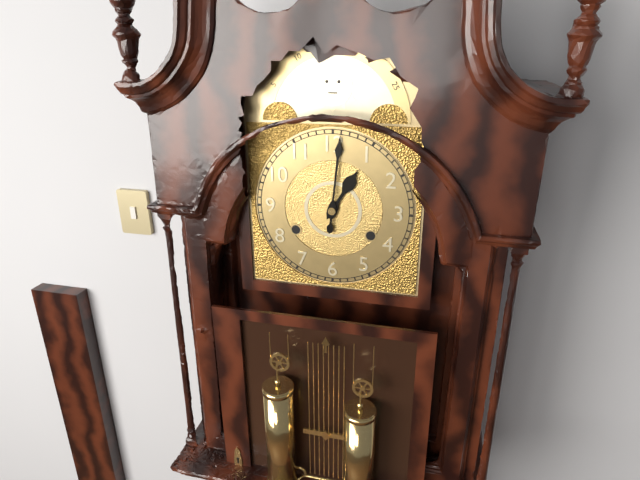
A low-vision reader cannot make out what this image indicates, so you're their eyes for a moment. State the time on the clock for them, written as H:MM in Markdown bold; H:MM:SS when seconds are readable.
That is **1:01**
